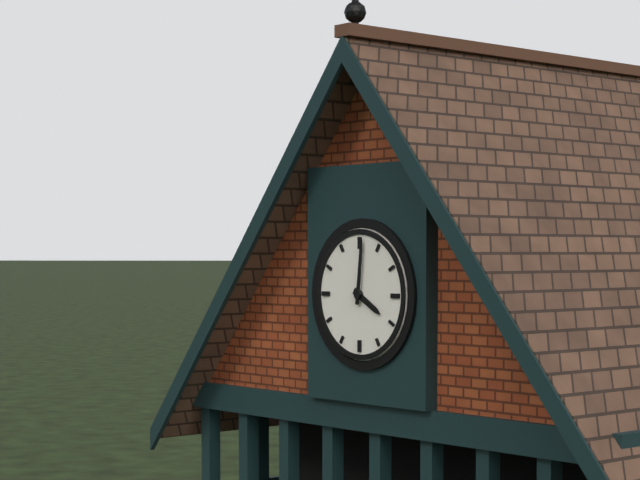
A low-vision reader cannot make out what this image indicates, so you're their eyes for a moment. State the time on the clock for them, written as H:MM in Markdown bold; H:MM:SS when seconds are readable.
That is **4:01**
